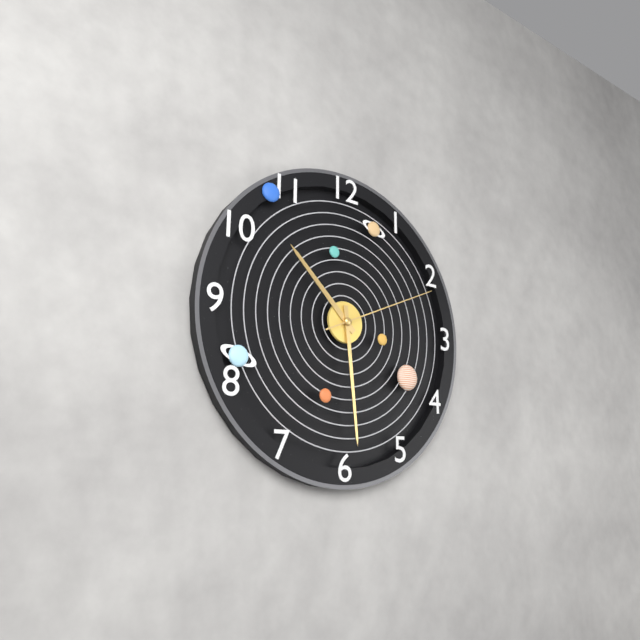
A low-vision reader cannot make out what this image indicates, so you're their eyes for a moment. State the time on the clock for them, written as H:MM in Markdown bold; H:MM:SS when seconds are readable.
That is **10:29:11**
